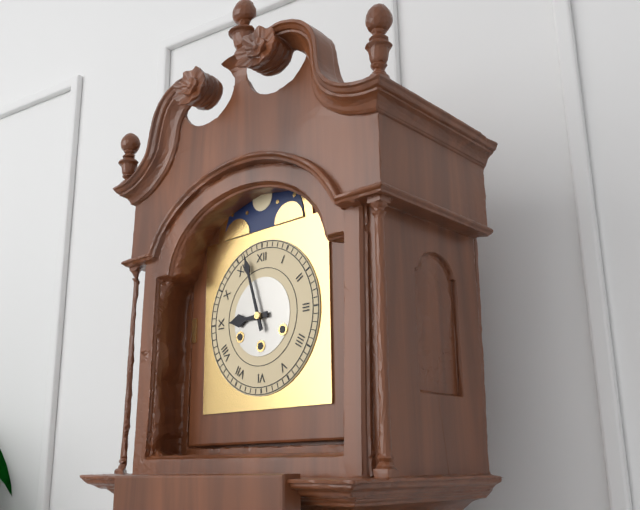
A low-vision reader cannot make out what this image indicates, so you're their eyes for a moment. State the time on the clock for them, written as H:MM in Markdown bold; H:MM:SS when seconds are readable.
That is **8:57**
